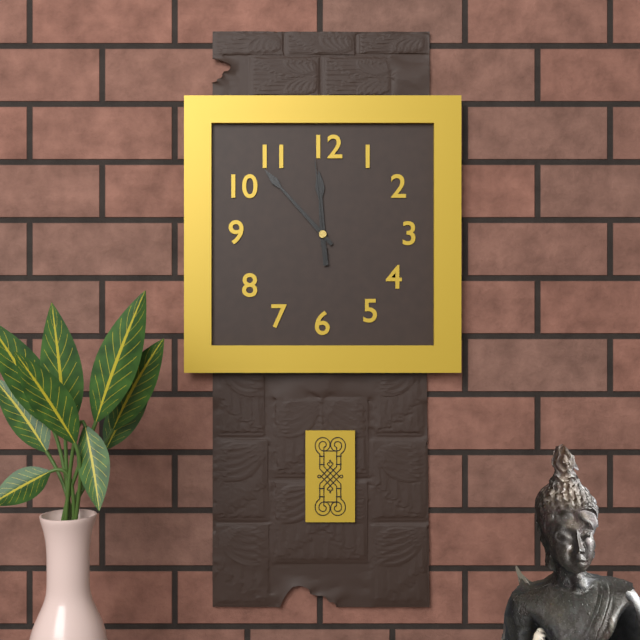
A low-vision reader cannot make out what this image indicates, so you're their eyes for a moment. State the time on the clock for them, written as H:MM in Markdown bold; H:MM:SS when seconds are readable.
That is **11:53:59**
